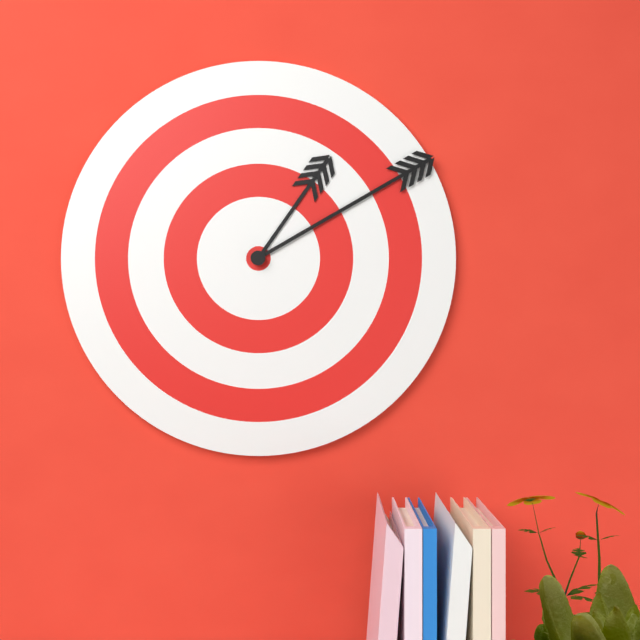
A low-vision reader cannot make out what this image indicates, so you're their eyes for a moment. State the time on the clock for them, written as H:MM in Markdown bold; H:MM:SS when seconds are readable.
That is **1:10**
